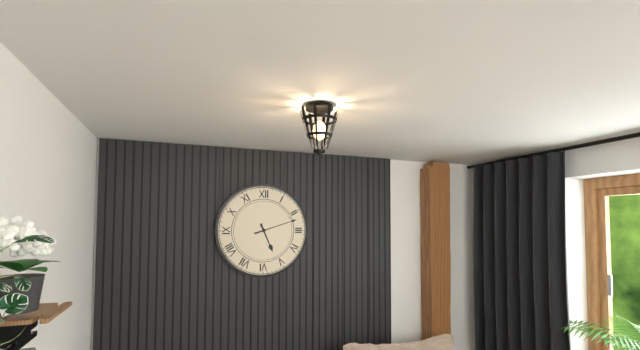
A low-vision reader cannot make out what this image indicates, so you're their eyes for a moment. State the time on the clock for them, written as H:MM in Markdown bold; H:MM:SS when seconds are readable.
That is **5:12**
